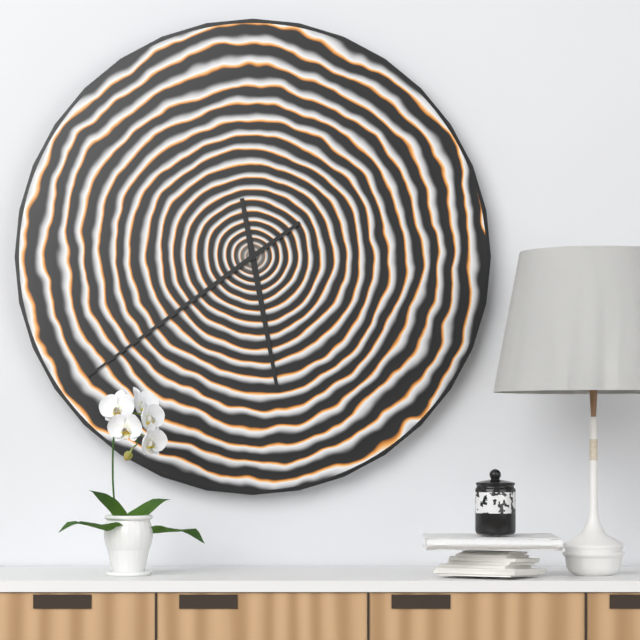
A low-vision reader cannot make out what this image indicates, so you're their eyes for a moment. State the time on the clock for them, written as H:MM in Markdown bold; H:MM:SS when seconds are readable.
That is **5:39**
